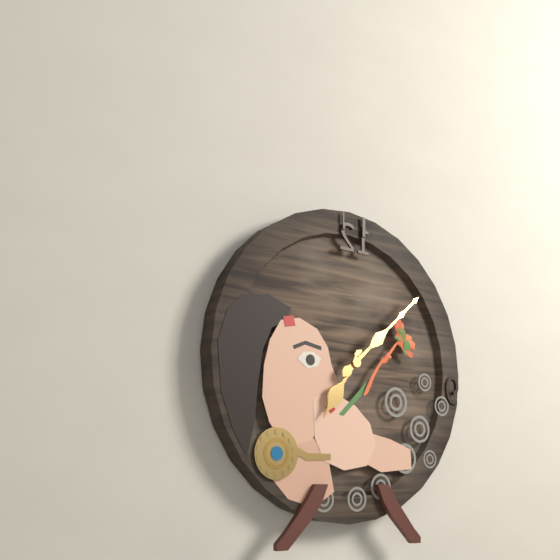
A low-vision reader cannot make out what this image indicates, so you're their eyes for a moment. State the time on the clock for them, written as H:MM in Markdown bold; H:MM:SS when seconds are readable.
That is **7:08**
